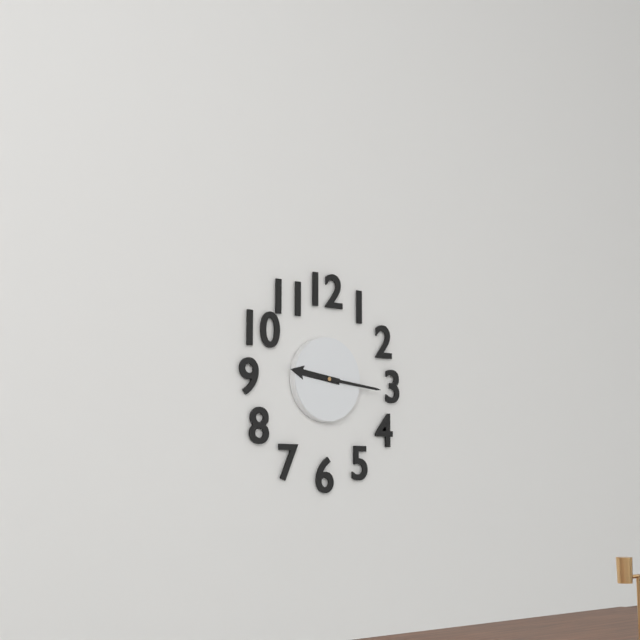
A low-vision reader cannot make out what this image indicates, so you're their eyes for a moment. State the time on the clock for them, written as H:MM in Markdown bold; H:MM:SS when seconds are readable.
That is **9:16**
